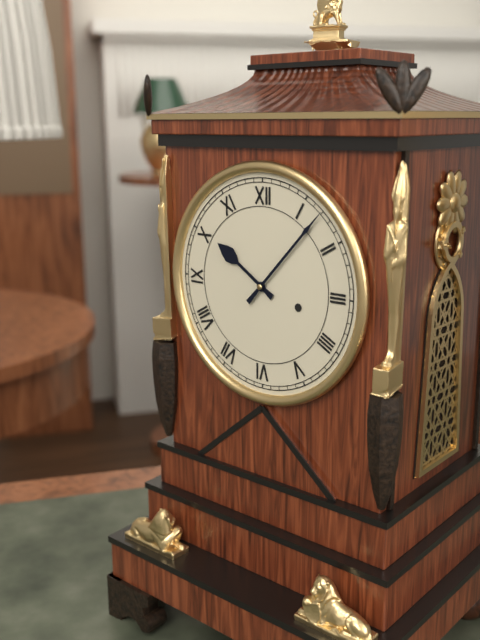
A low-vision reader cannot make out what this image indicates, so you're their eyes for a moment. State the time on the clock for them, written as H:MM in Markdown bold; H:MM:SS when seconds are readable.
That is **10:07**
